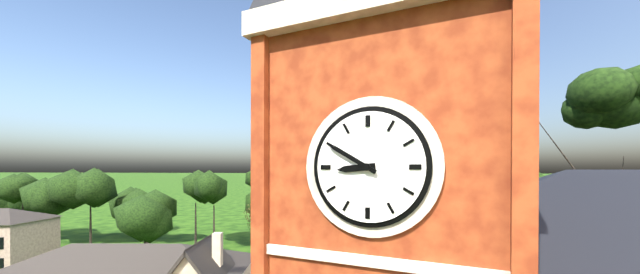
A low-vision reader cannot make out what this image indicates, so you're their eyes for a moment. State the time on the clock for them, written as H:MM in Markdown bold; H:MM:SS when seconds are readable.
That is **8:50**
